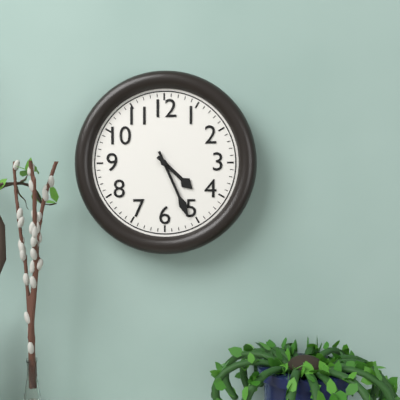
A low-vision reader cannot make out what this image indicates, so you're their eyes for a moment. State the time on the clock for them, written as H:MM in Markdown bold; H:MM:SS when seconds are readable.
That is **4:26**
